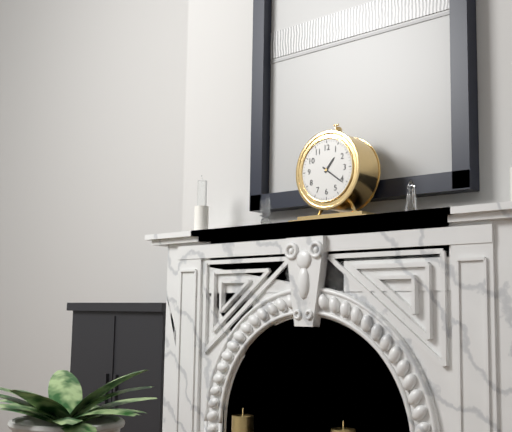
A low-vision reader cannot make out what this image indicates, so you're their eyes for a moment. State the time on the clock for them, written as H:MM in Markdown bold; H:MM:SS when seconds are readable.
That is **1:21**
